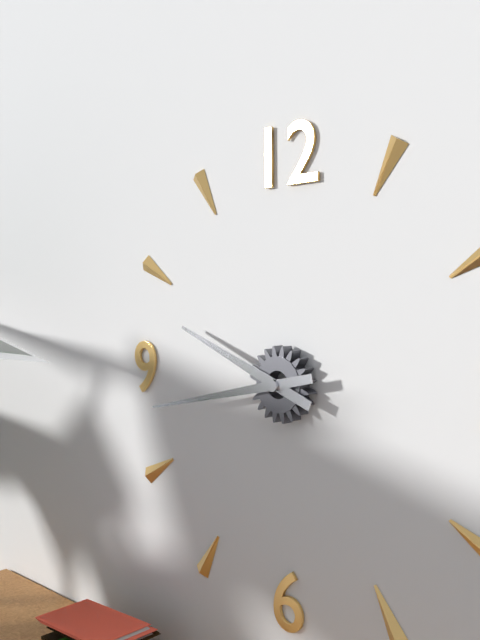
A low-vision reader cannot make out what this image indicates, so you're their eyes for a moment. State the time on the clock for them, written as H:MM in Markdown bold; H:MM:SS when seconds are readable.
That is **9:43**
